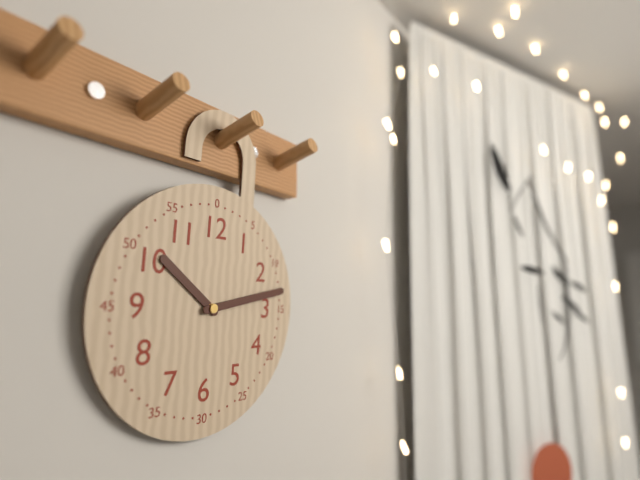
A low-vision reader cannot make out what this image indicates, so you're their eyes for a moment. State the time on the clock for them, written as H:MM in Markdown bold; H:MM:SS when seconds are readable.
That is **10:13**
